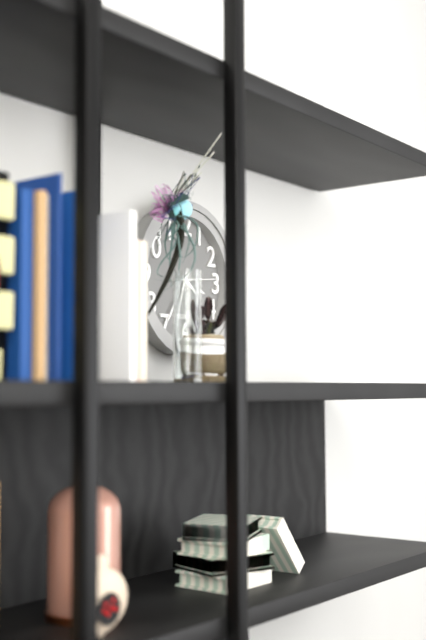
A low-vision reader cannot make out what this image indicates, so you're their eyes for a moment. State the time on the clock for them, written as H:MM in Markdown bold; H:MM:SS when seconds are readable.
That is **3:35**
